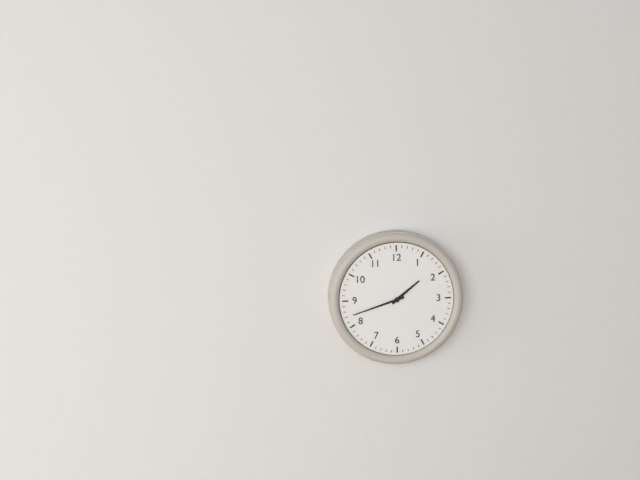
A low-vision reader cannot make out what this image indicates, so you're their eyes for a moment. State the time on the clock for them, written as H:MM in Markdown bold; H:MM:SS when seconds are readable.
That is **1:42**
